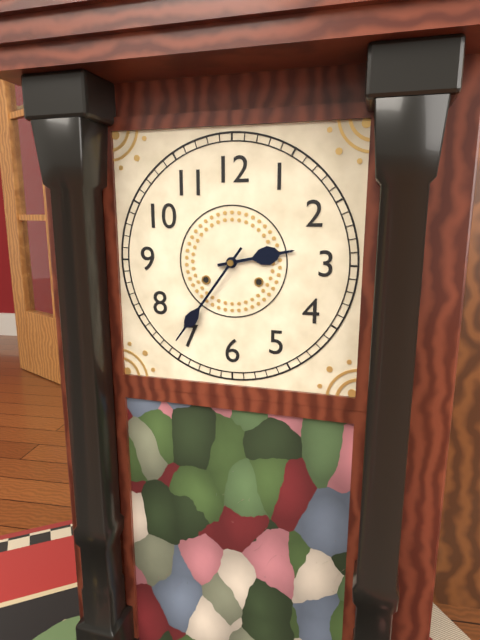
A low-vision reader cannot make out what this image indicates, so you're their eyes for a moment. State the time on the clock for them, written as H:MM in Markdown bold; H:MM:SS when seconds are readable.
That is **2:36**
